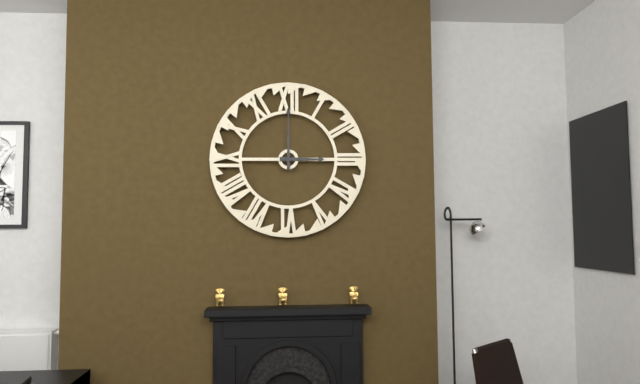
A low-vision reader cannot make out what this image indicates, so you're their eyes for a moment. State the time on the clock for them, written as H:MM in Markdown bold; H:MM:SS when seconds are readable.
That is **3:00**
